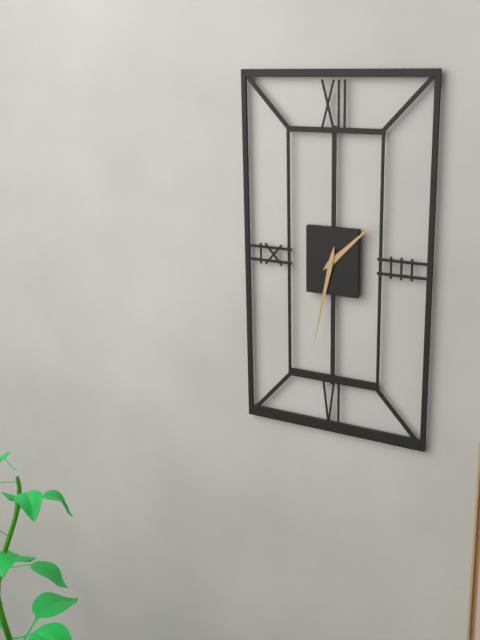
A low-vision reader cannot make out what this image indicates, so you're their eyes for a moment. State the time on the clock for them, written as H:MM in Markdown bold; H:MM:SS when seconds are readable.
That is **1:32**
